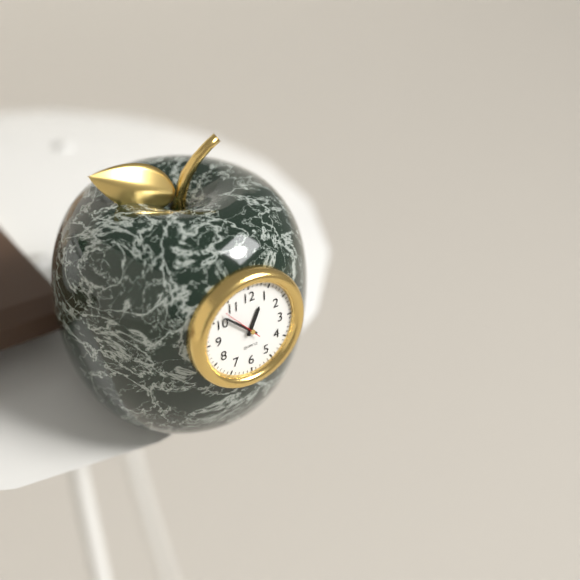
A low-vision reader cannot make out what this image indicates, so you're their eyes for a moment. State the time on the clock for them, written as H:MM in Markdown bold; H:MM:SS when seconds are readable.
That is **12:52**
